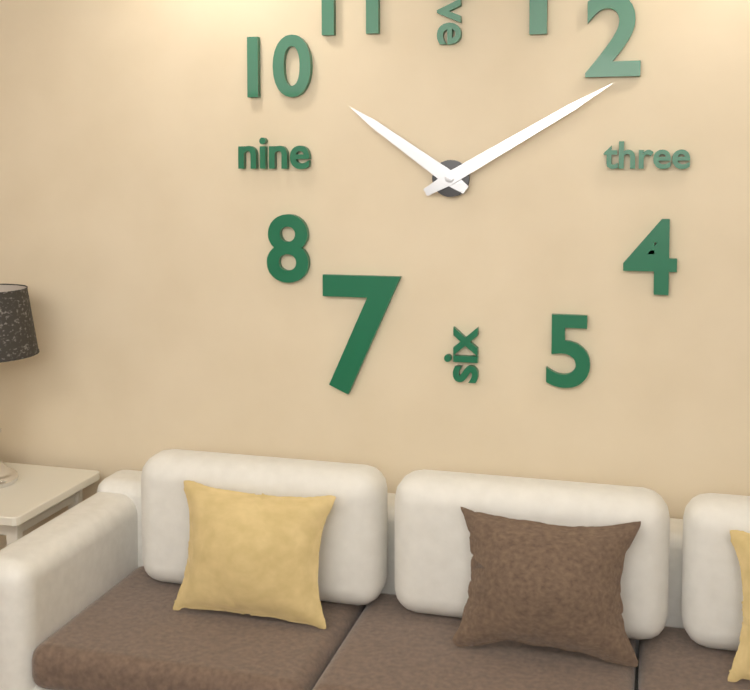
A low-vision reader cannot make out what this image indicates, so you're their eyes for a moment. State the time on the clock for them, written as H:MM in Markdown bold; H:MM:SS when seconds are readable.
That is **10:10**
